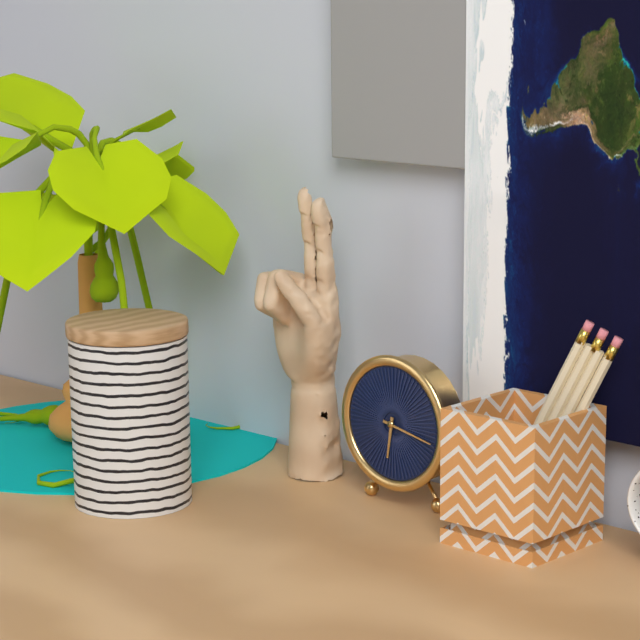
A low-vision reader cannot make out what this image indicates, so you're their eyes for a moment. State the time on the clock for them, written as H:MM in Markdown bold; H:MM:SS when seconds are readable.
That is **6:17**
